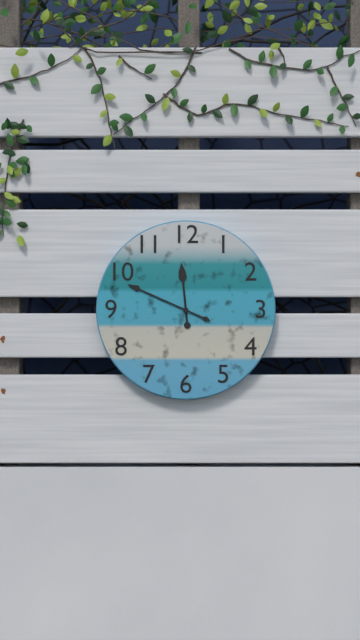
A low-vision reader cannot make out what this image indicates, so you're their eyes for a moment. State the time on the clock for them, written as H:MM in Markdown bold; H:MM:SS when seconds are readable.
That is **11:49**
